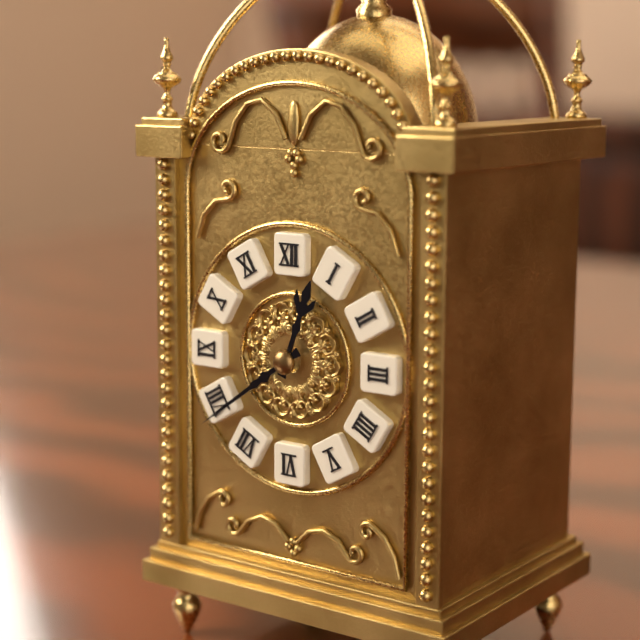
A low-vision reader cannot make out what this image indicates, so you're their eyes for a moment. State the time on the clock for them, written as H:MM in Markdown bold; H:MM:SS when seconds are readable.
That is **12:39**
